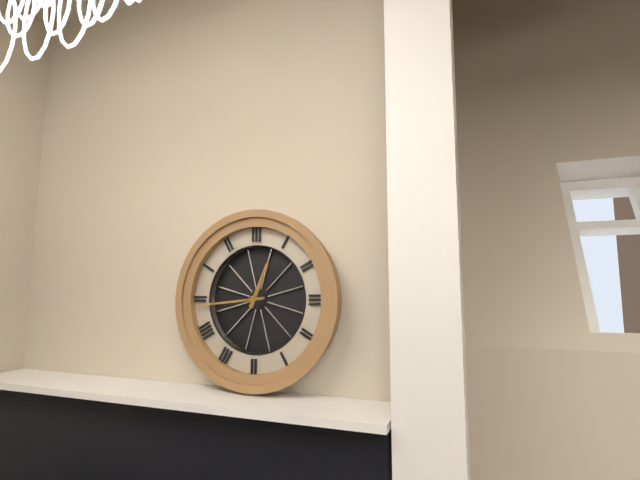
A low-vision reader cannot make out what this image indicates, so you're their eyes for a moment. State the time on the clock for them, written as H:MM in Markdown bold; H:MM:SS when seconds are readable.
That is **12:44**
